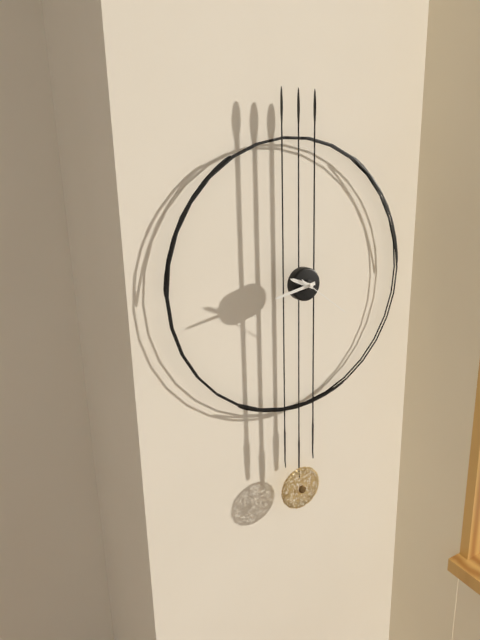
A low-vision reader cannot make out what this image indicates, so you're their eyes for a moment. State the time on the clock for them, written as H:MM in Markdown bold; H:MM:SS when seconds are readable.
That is **9:43:21**
